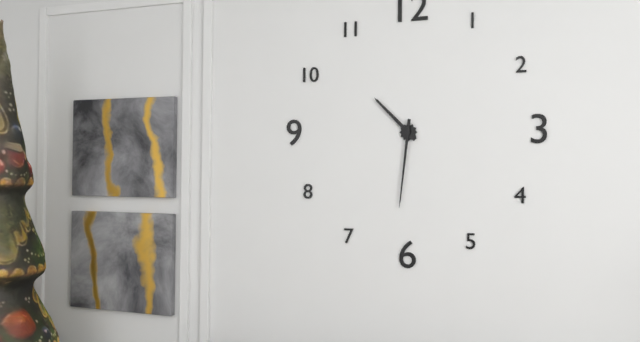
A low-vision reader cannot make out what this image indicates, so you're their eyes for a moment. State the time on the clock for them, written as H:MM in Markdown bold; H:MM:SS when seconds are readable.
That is **10:31**
